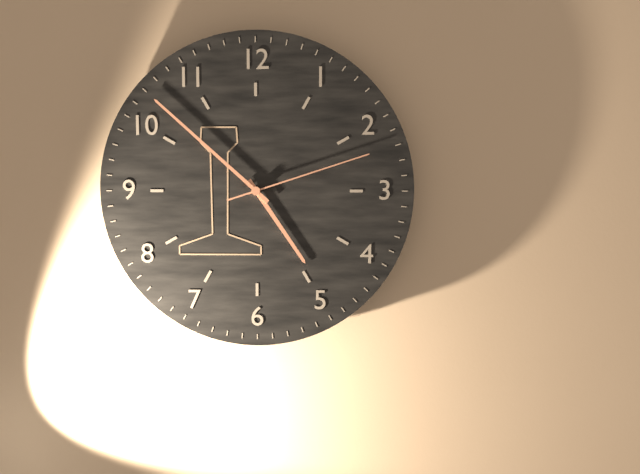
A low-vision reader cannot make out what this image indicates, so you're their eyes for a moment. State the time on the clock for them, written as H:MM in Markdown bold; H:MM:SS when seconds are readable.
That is **4:52:12**
